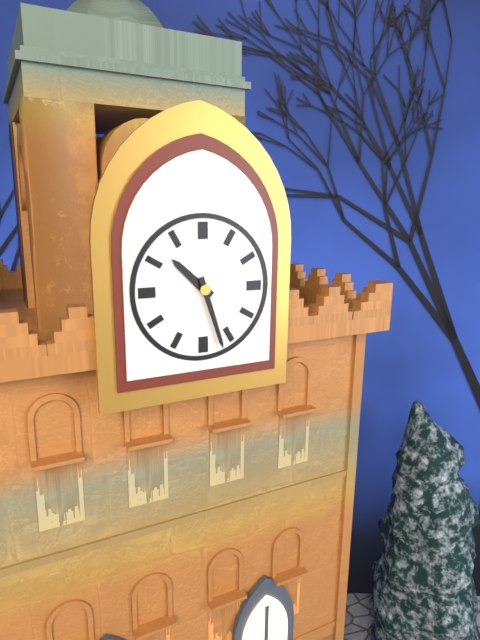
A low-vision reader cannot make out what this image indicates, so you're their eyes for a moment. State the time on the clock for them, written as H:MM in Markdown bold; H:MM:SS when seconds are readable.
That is **10:27**
